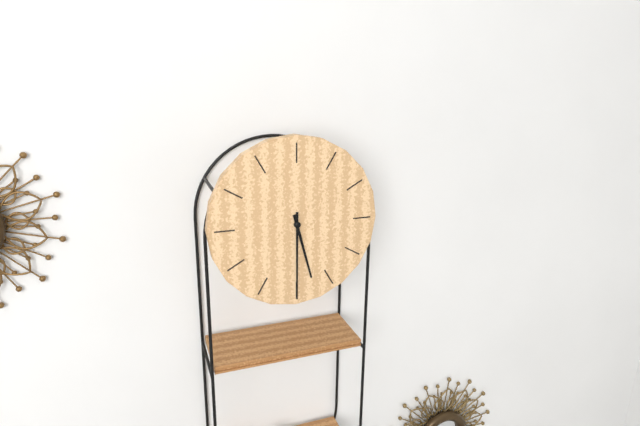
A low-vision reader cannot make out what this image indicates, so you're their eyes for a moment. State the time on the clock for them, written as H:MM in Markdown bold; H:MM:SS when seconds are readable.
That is **5:30**
